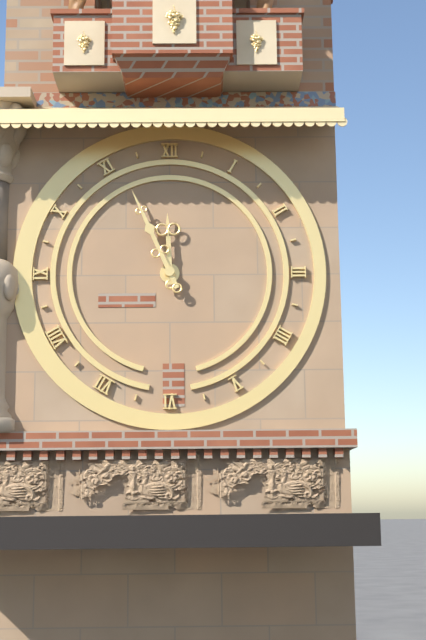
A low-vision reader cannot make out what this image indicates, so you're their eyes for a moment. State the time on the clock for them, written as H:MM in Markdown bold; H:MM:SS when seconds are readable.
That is **11:56**
